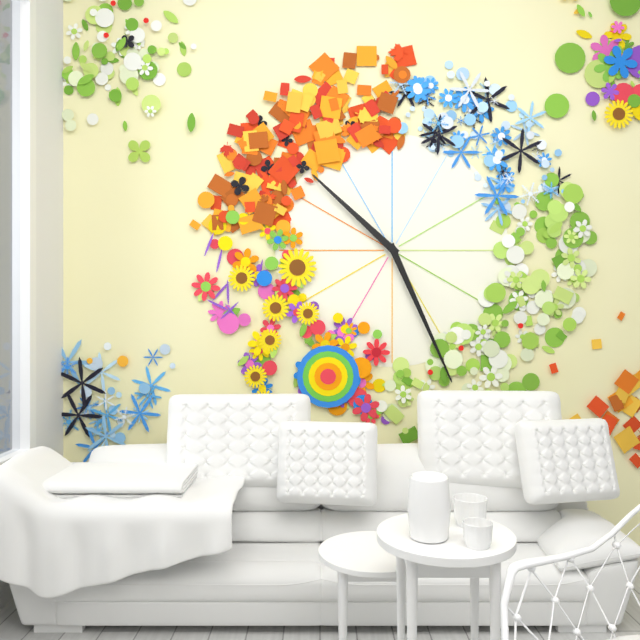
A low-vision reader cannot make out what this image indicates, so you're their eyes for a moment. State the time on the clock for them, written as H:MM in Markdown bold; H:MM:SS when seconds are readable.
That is **10:26**
